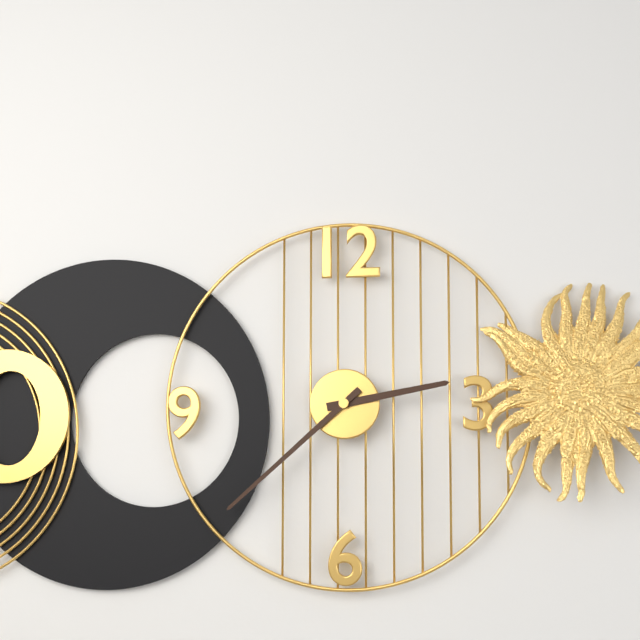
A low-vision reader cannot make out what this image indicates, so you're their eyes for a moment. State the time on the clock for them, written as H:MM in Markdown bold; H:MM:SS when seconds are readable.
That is **2:38**
